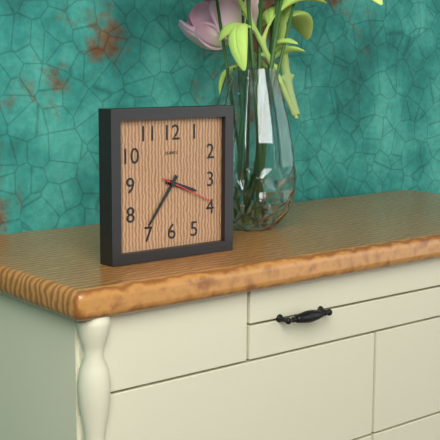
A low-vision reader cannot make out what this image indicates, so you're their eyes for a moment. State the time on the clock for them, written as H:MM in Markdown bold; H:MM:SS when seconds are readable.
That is **3:36:19**
